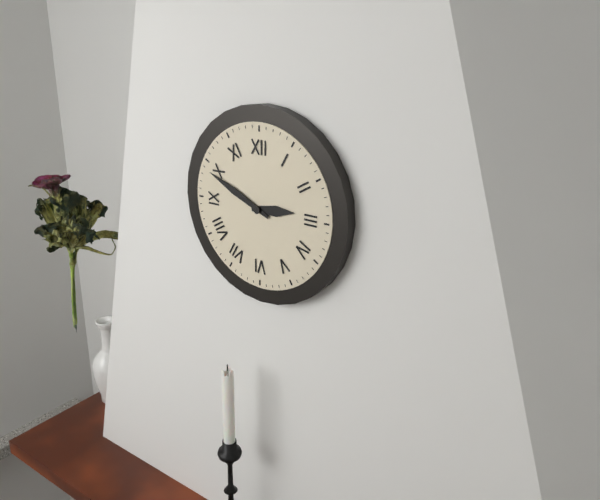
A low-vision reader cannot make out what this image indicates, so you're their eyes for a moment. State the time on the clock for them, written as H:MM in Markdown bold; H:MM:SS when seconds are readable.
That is **2:49**
